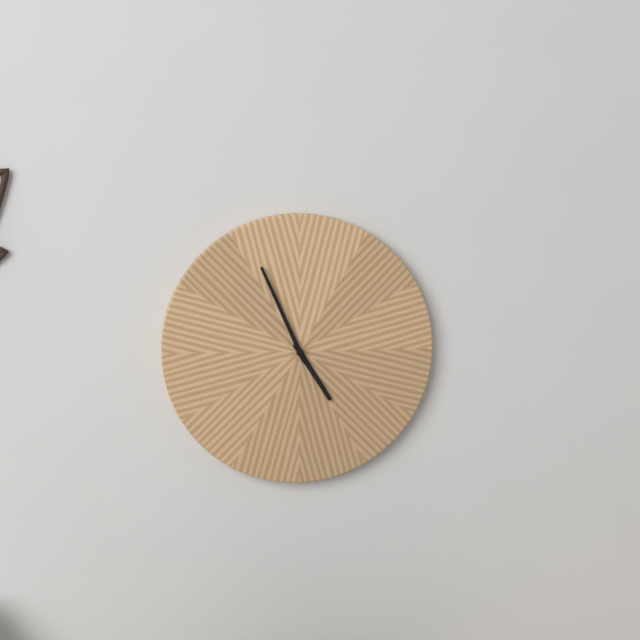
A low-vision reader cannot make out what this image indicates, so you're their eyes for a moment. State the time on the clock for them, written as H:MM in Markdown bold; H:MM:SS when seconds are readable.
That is **4:56**
